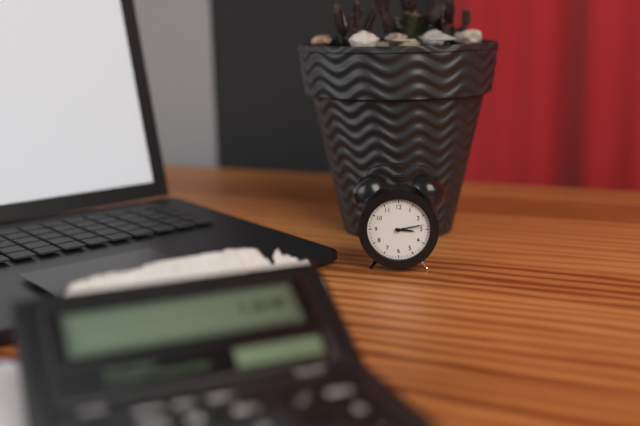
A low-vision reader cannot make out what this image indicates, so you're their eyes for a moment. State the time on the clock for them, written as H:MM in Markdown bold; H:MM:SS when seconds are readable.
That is **3:13**
